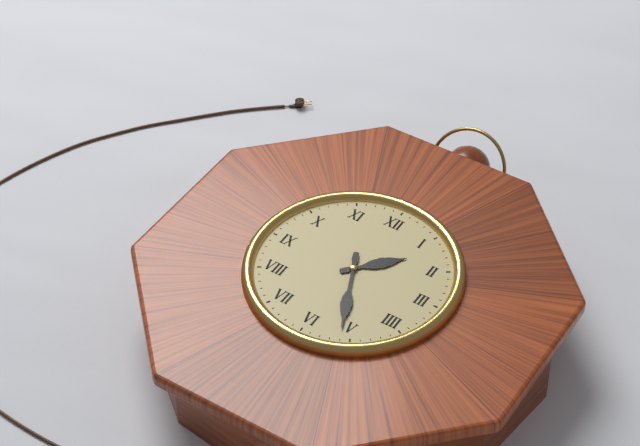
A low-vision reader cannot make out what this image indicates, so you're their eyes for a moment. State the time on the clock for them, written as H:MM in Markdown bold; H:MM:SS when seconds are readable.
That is **1:26**
